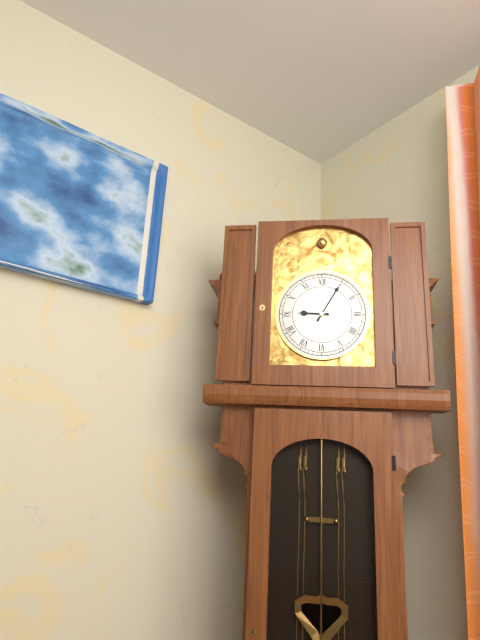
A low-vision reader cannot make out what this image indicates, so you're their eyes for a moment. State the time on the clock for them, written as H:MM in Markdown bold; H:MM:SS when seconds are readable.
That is **9:05**
